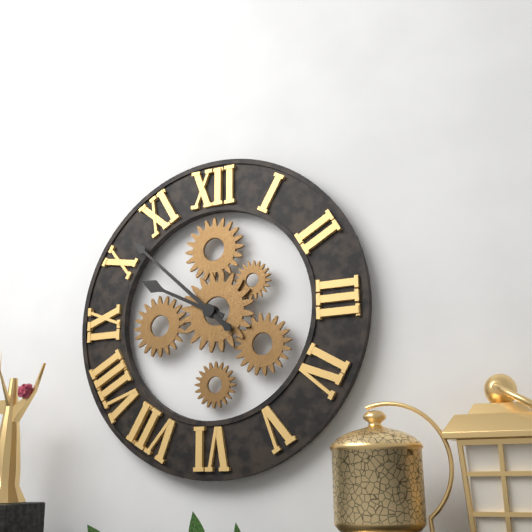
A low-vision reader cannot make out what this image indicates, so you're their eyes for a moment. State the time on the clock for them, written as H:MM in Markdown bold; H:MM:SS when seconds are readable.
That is **9:52**
